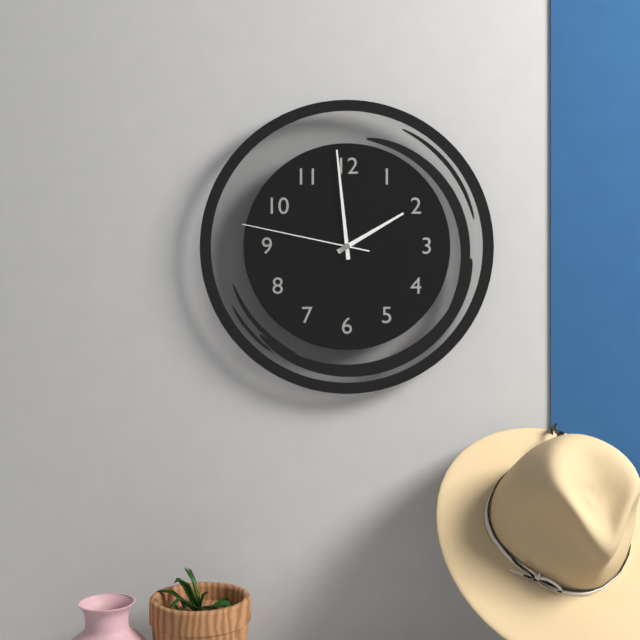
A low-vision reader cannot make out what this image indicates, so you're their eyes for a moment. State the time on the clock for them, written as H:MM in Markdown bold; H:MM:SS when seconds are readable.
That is **1:59:47**
